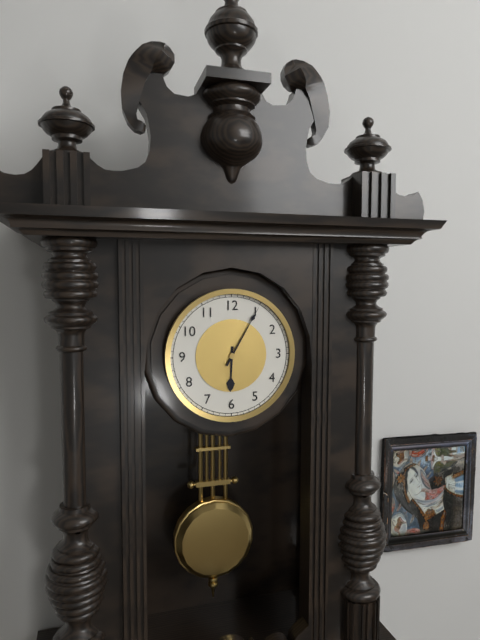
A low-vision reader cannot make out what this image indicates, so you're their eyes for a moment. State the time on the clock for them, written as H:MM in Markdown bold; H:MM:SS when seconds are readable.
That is **6:05**
